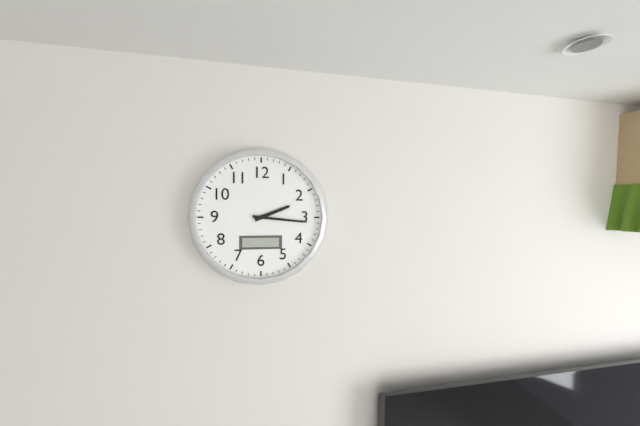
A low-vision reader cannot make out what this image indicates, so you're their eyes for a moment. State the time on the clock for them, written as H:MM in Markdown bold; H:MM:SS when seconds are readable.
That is **2:16**
